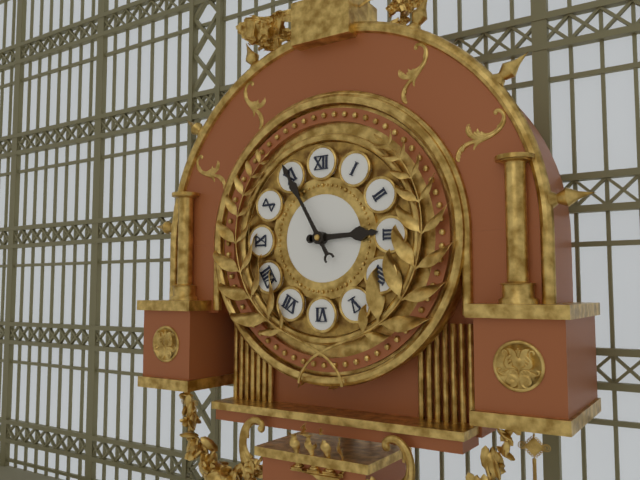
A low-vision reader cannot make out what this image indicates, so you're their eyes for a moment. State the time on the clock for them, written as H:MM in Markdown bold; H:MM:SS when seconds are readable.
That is **2:55**
